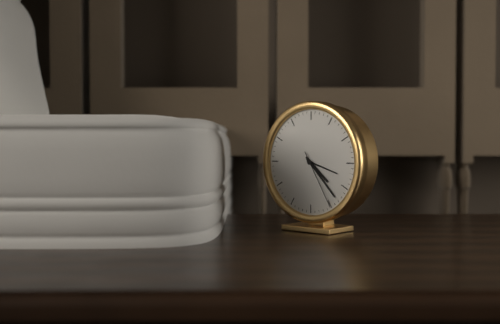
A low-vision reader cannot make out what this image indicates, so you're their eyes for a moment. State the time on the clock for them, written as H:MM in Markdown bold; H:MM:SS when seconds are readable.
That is **4:23:25**
